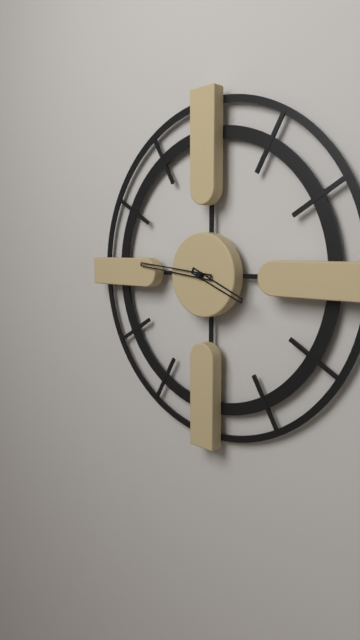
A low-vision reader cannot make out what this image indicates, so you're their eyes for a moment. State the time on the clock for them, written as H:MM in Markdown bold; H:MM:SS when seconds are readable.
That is **3:46**
